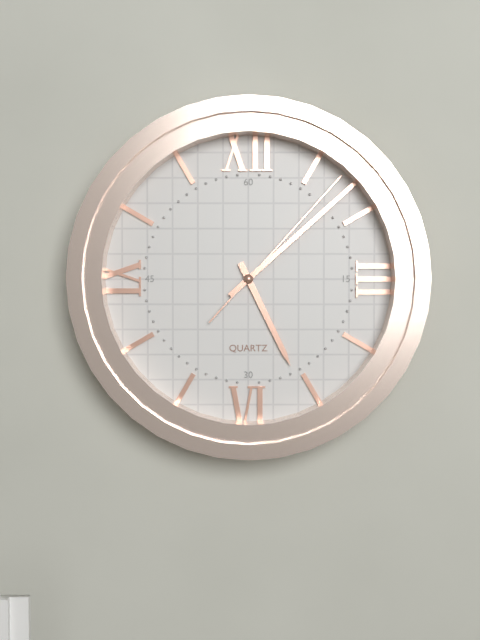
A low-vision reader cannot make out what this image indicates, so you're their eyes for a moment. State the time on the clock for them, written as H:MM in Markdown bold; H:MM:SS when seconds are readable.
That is **5:08:07**
